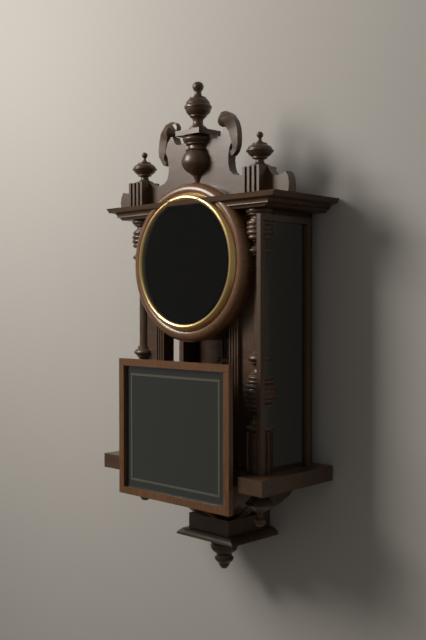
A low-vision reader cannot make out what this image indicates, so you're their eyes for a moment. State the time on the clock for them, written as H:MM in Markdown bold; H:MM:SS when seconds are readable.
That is **11:04**
